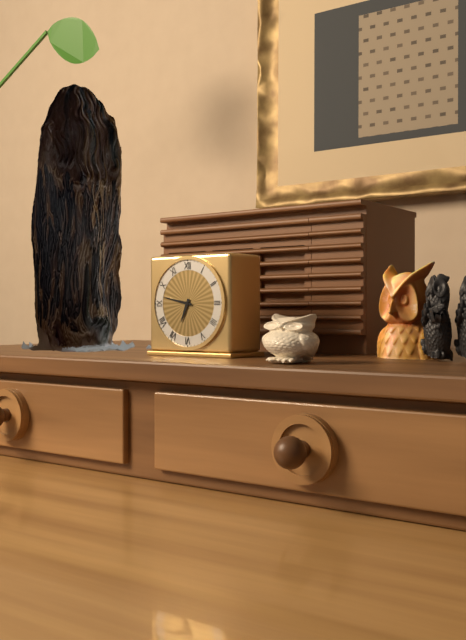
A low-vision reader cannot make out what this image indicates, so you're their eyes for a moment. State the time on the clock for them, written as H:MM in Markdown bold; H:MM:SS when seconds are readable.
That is **6:47**
